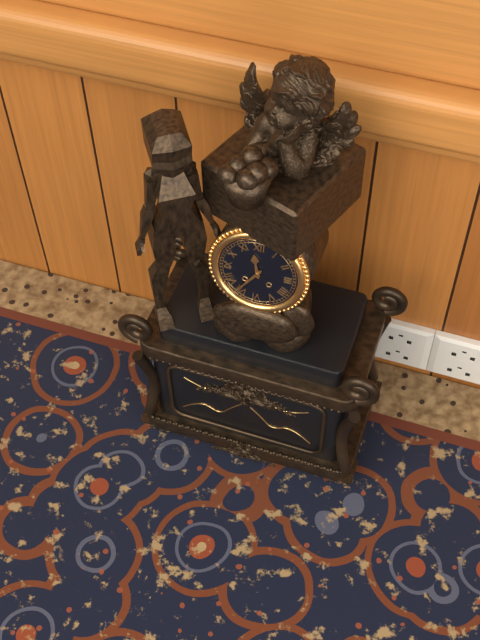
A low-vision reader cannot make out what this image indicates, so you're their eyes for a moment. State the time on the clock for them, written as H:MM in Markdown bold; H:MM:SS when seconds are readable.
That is **11:36**
